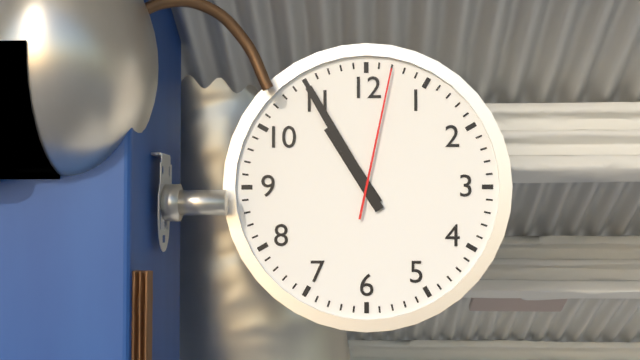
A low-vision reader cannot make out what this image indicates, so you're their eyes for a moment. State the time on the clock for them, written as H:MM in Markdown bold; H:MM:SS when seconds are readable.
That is **10:55:02**
